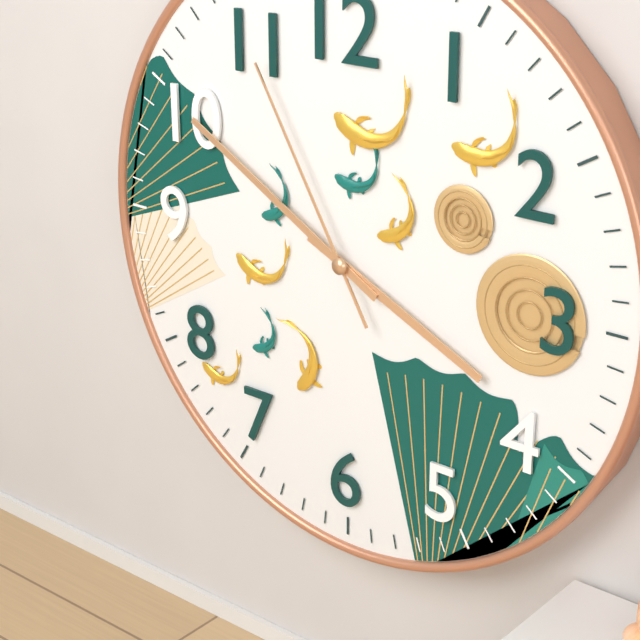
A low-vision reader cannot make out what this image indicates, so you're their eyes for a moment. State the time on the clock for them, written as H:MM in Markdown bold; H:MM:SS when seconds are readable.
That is **3:50:55**
